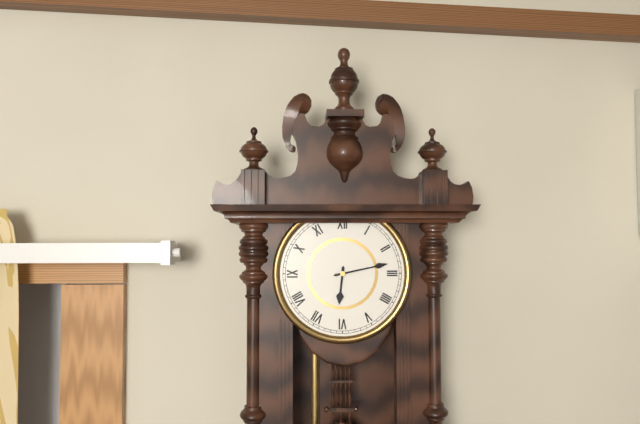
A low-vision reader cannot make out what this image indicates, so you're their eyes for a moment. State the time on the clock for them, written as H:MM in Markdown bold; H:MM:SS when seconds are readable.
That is **6:13**
